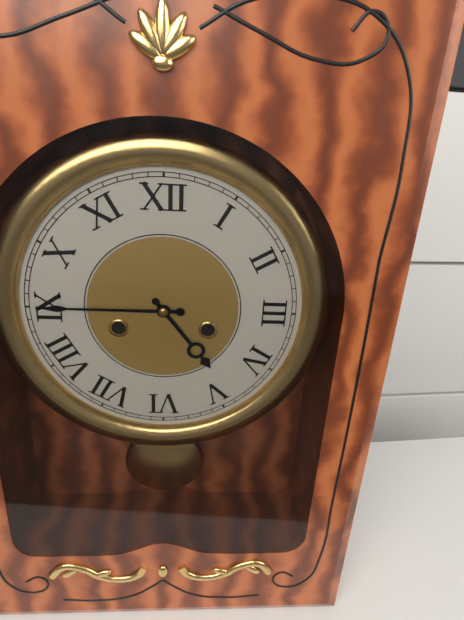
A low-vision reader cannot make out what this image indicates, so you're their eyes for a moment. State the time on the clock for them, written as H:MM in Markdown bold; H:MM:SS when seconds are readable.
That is **4:45**
